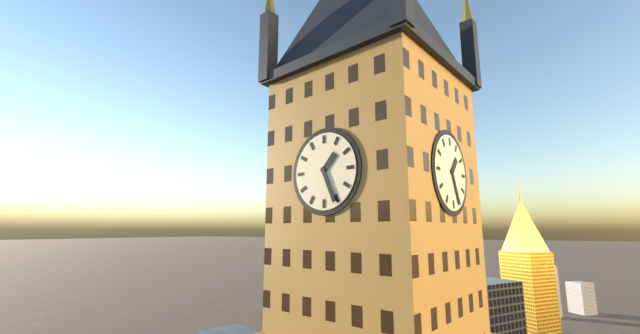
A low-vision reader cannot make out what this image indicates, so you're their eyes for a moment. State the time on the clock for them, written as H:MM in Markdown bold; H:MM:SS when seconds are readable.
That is **1:26**
